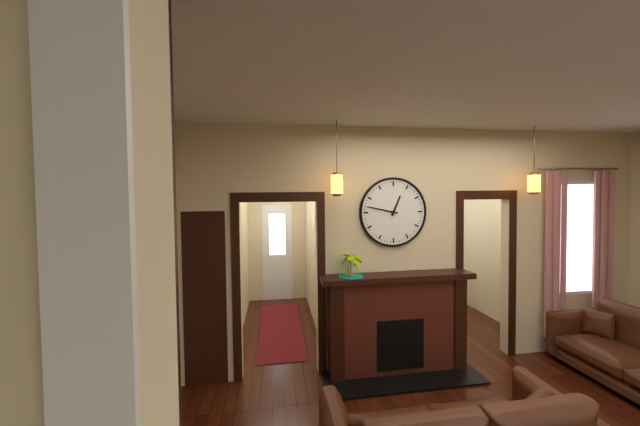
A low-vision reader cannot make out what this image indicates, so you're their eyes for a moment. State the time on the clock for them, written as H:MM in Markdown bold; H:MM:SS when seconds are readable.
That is **12:47**
